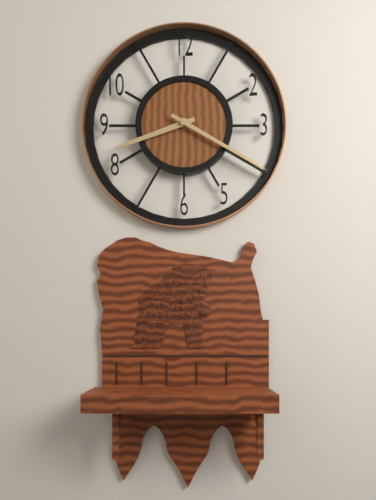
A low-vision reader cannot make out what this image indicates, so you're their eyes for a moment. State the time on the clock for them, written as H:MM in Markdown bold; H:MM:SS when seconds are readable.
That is **8:20**
